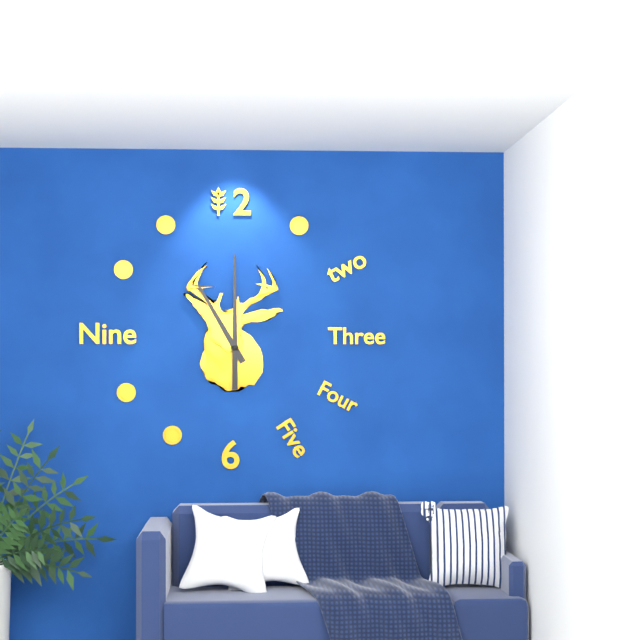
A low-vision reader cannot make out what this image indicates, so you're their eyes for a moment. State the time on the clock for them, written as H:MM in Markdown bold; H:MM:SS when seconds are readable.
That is **11:00**
